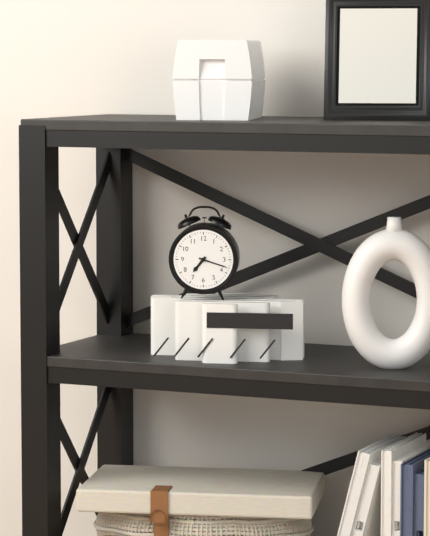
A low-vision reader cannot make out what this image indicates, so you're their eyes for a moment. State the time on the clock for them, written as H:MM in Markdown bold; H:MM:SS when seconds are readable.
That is **7:18**
